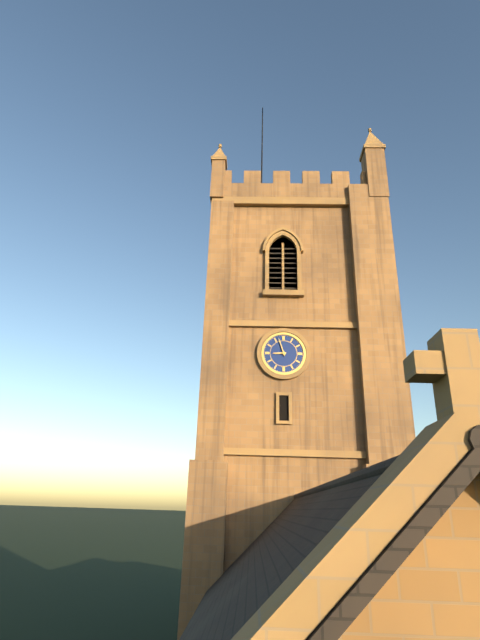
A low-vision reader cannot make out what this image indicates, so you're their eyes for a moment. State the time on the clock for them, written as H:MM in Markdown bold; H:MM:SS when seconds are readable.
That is **8:57**
